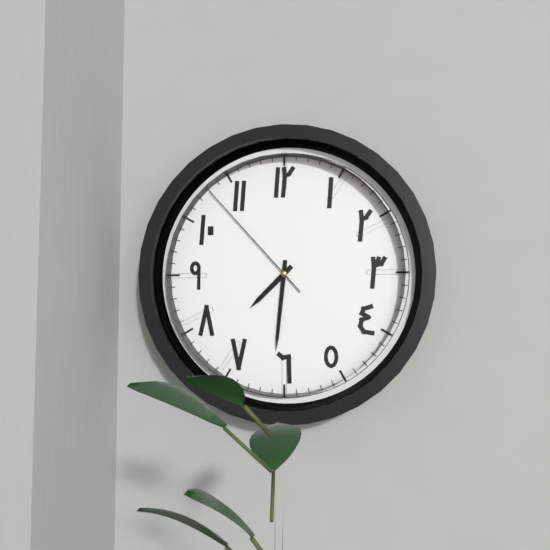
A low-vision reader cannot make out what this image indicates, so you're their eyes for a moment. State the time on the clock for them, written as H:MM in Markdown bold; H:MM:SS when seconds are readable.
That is **7:31:53**
